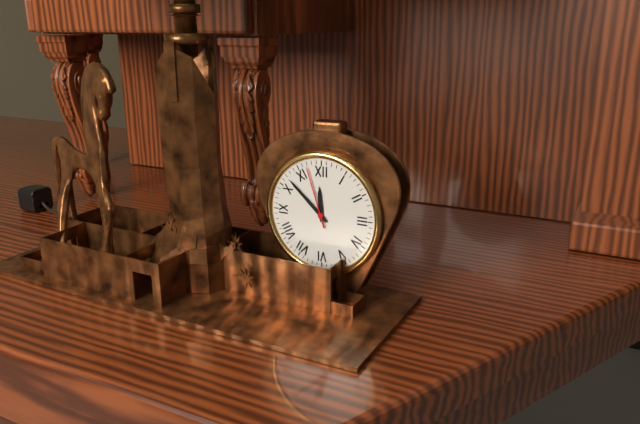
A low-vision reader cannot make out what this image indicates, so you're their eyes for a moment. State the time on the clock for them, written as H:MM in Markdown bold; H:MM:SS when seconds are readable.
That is **11:52:57**
